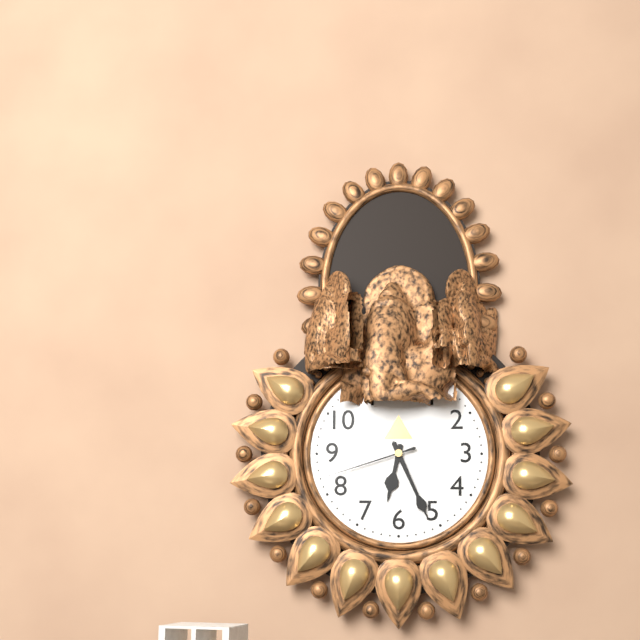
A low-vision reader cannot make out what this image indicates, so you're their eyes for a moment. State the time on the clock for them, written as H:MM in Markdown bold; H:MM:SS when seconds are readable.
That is **6:26:42**
